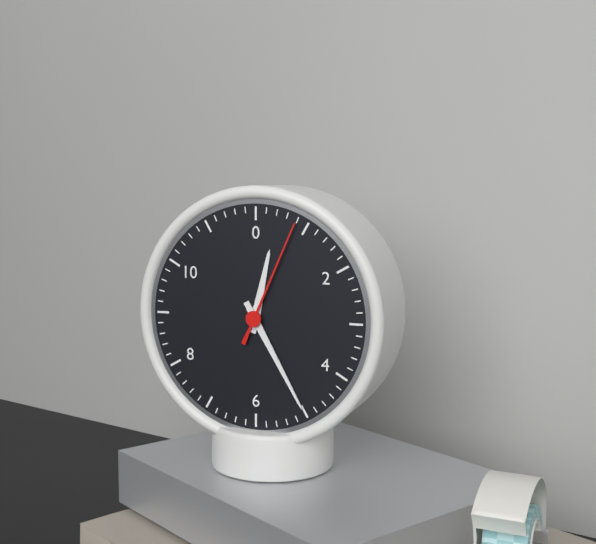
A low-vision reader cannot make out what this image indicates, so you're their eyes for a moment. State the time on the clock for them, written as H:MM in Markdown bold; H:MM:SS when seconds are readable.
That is **12:25:04**
